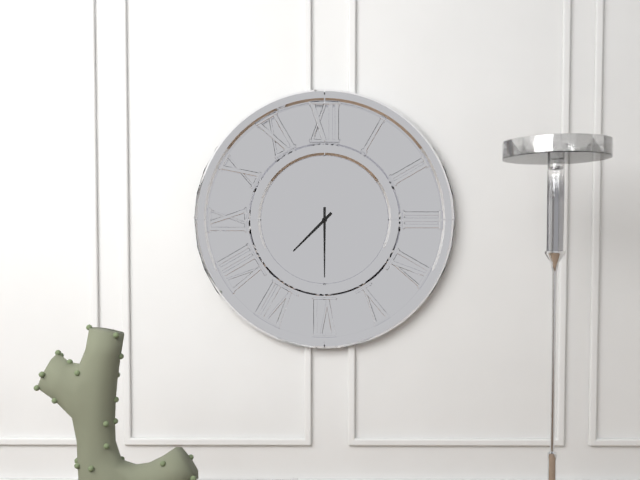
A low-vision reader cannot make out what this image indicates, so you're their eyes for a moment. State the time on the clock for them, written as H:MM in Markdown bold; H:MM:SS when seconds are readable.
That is **7:30**
